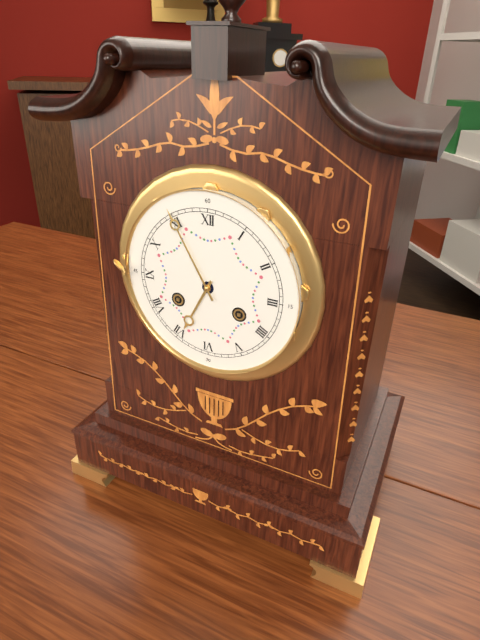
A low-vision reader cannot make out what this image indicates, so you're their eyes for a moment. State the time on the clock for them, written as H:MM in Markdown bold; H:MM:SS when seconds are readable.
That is **6:55**
